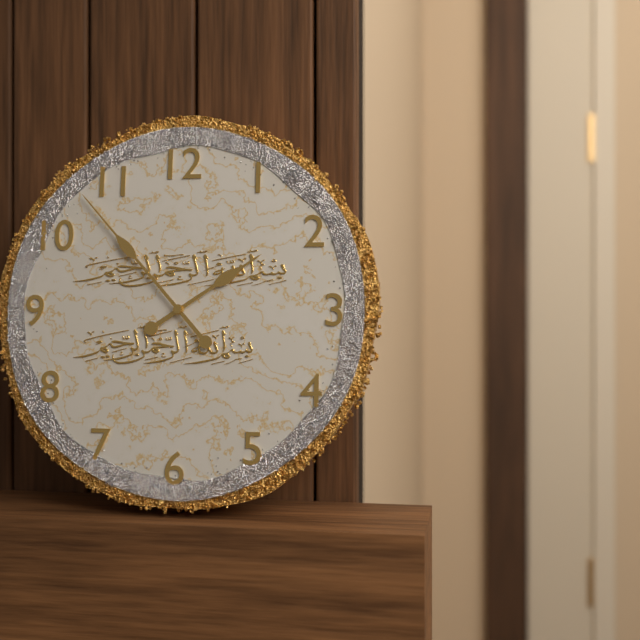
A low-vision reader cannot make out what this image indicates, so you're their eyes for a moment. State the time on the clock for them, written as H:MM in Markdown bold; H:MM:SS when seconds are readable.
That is **1:53**
